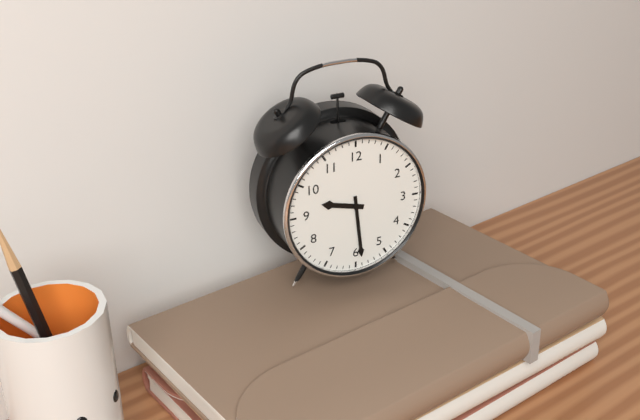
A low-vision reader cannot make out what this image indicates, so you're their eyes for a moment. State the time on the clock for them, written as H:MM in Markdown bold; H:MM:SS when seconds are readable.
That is **9:29**
